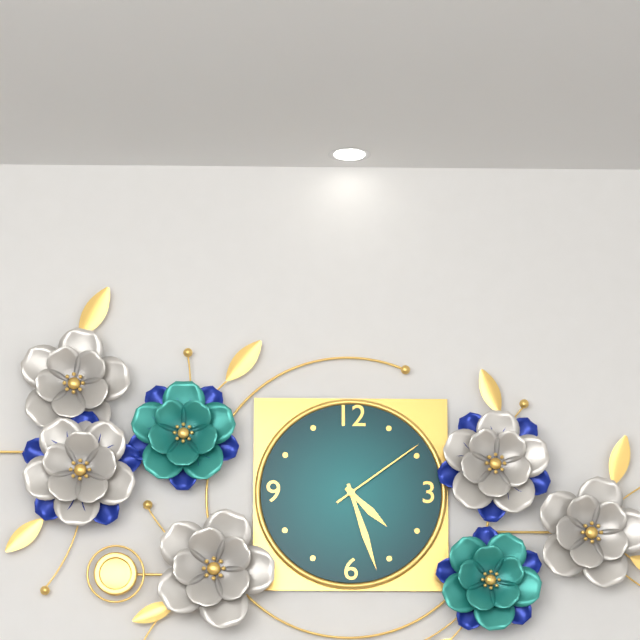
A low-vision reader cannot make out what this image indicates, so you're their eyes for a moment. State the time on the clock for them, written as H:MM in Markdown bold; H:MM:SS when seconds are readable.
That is **4:27:09**
